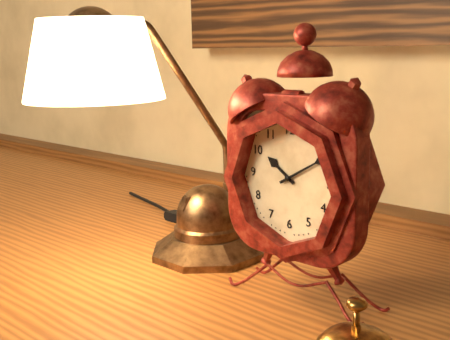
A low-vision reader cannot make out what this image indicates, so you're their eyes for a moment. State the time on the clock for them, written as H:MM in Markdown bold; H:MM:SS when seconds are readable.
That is **10:10**
